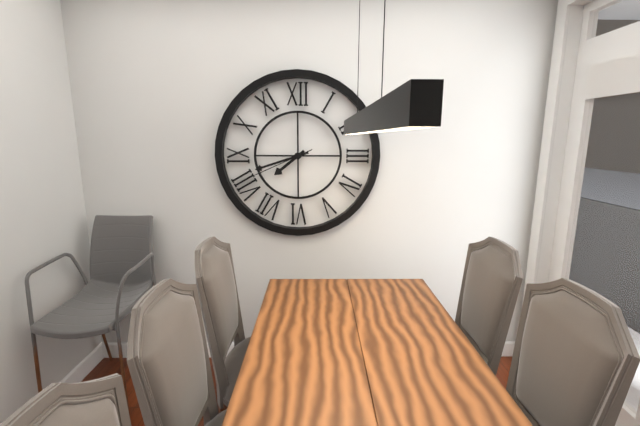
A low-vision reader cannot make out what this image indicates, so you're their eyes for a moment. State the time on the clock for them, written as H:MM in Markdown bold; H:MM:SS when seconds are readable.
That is **7:42:41**
